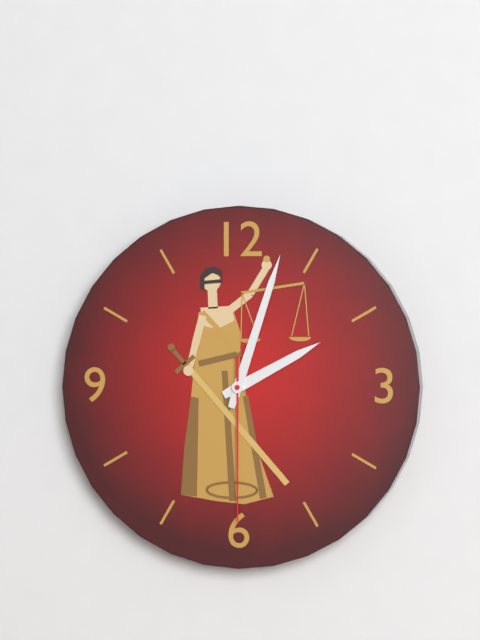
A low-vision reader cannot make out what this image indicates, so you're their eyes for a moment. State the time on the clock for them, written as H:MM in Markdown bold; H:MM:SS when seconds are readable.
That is **2:03:30**
